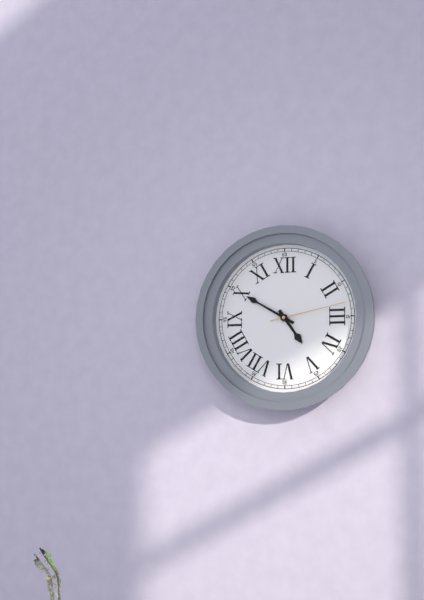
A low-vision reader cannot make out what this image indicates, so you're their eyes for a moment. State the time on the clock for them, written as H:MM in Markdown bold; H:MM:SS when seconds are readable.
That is **4:50:13**
